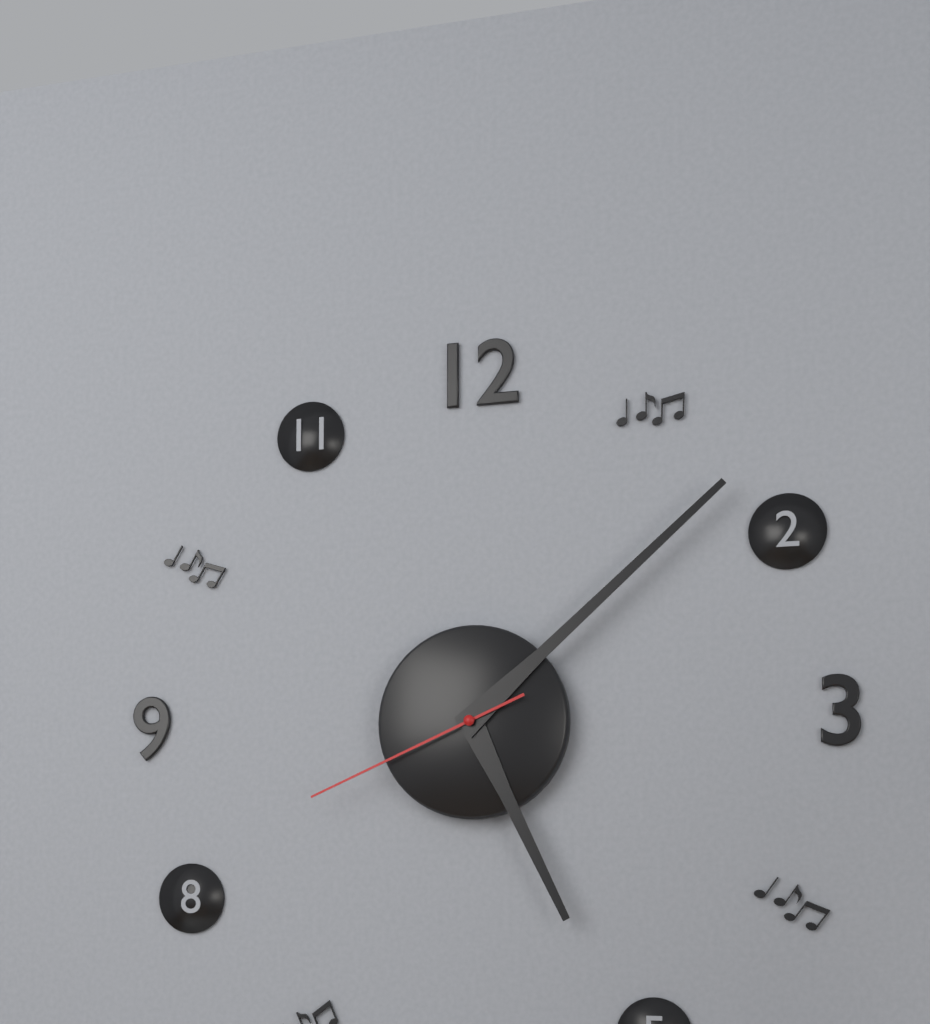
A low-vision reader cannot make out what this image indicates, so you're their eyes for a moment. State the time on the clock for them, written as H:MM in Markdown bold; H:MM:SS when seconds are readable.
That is **5:08:41**
